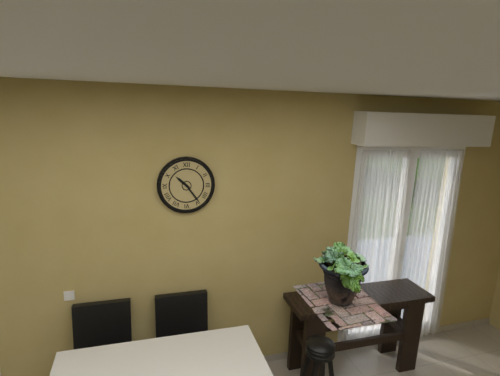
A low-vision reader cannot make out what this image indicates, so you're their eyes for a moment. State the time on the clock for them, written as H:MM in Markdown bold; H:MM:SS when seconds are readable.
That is **10:24**
